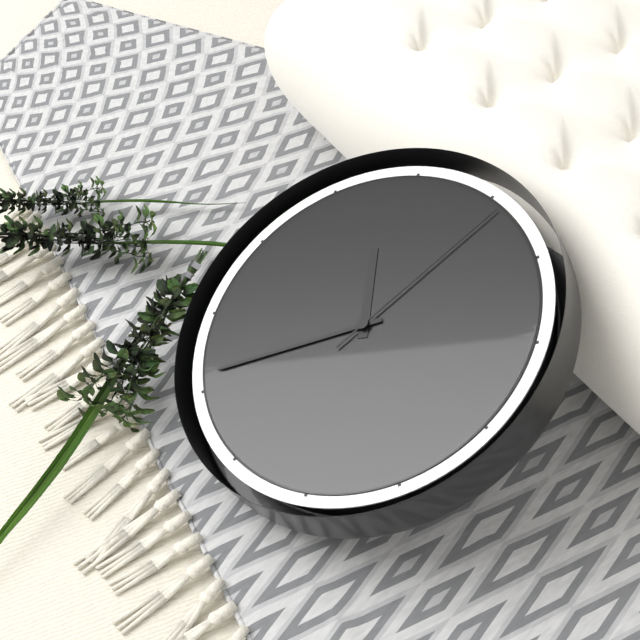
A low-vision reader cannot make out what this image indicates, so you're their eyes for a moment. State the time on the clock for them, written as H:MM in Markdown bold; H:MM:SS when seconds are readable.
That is **10:36:01**
